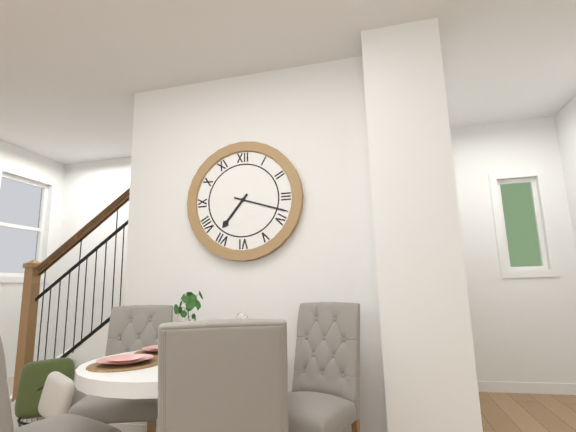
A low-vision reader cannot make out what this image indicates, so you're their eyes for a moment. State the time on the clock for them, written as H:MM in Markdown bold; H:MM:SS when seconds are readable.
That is **7:18**
